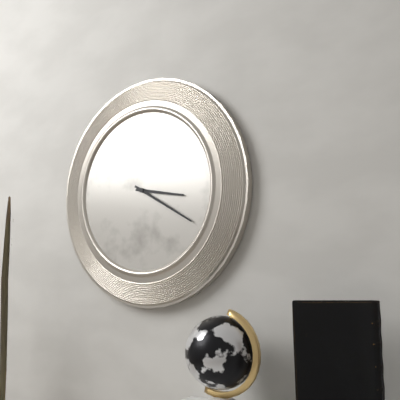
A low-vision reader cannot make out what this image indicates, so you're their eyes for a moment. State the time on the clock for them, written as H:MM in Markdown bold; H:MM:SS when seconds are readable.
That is **3:20**
